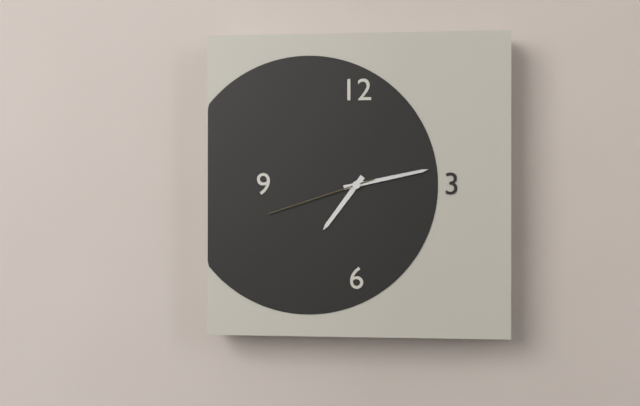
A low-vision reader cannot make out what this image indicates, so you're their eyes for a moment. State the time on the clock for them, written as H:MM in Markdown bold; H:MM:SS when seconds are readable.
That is **7:13:42**
